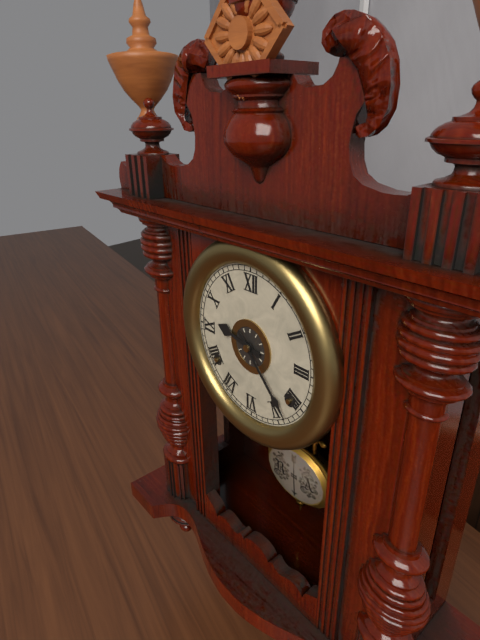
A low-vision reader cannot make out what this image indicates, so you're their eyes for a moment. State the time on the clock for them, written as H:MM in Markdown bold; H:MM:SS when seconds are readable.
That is **9:23**
